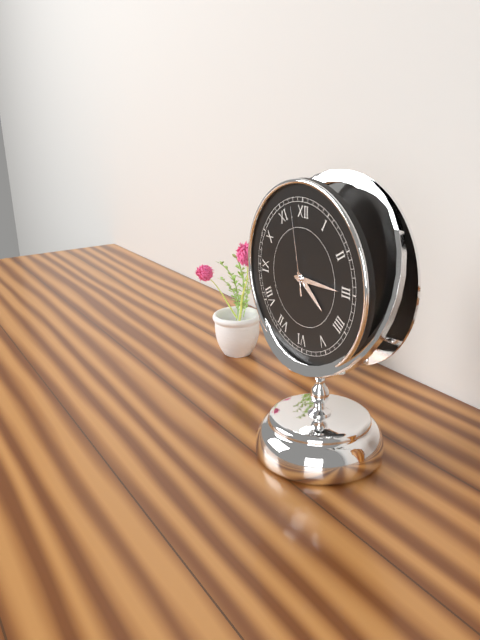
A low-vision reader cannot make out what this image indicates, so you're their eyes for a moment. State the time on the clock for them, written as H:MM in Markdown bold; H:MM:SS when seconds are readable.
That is **4:15:58**
